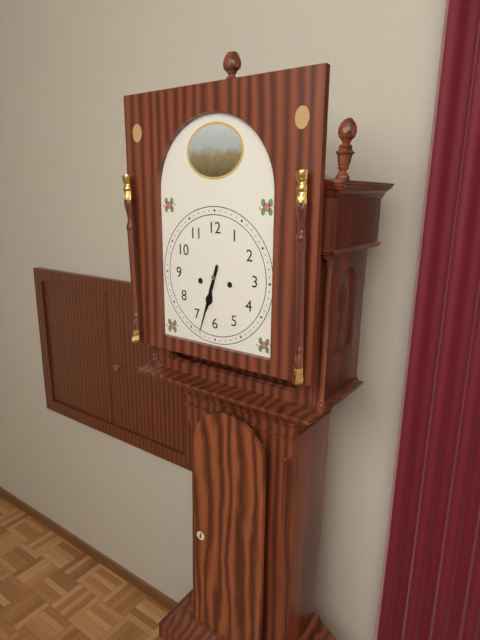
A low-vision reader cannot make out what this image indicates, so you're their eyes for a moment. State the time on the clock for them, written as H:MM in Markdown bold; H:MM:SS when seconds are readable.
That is **6:33**
